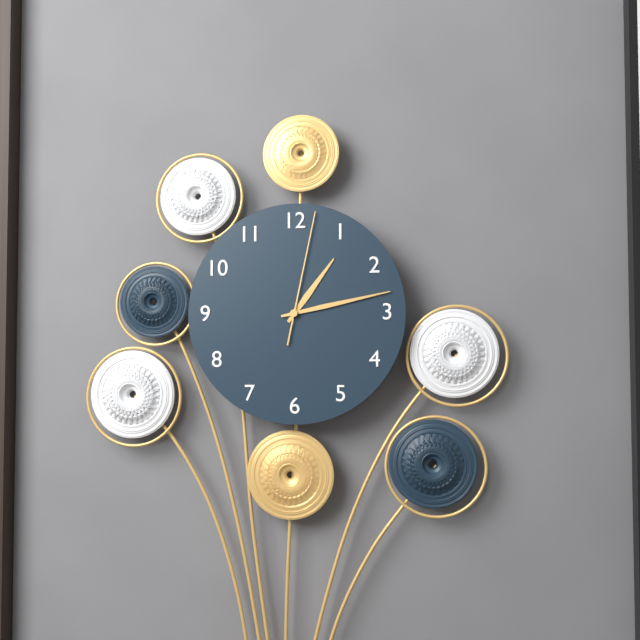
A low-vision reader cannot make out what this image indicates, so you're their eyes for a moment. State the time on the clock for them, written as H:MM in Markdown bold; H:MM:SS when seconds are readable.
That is **1:13:02**
